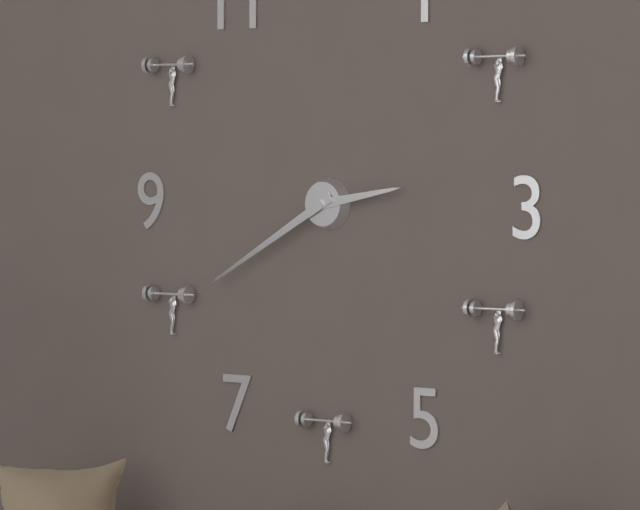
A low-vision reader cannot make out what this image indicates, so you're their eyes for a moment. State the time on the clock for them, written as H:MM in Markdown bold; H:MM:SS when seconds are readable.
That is **2:40**
